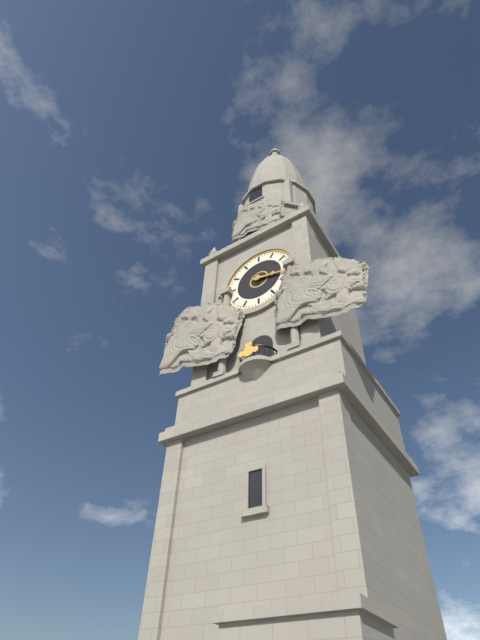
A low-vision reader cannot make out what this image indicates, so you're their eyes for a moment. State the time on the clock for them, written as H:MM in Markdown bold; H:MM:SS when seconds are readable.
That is **3:17**
